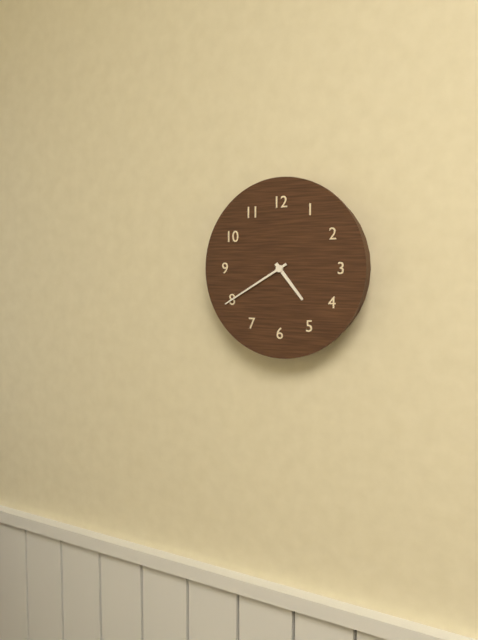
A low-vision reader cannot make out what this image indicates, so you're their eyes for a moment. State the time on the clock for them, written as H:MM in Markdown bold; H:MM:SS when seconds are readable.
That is **4:40**
